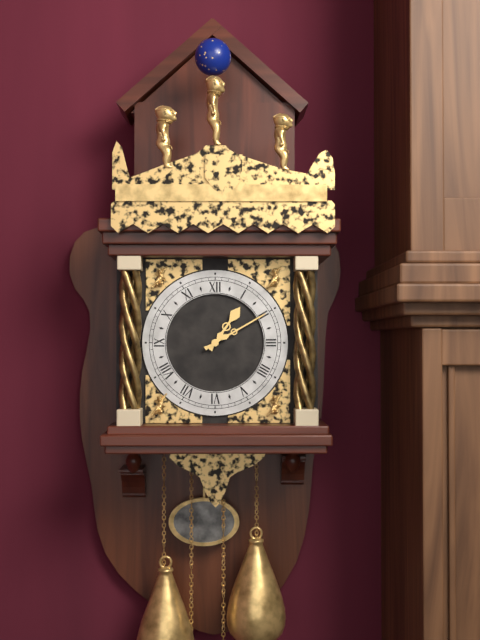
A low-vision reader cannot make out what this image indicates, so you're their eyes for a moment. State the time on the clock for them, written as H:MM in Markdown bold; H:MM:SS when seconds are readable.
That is **1:10**
